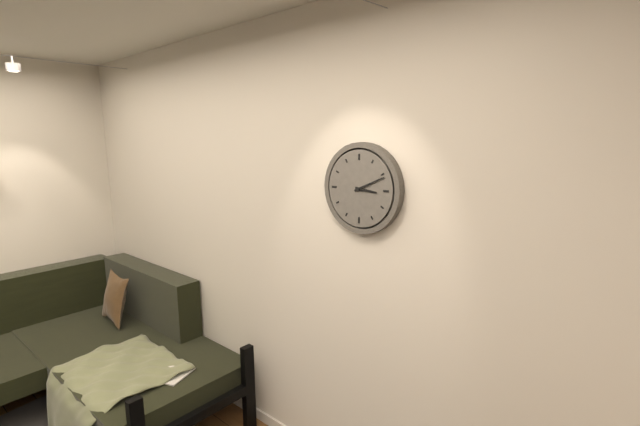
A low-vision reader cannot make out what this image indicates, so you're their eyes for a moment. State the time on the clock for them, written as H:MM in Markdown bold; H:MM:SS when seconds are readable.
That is **3:11**
